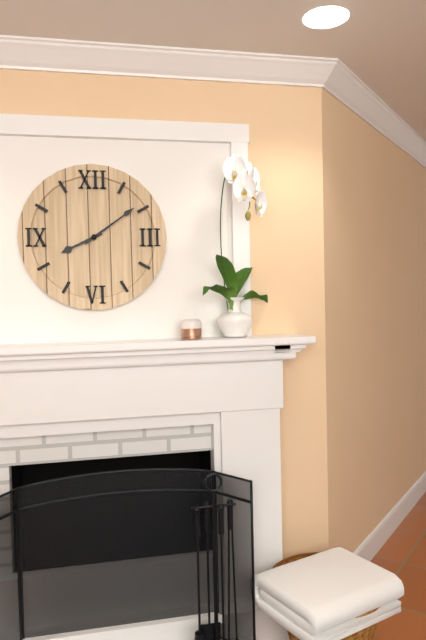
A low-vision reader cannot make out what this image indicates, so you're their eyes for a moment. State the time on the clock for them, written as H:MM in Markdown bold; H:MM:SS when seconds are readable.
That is **8:09**
